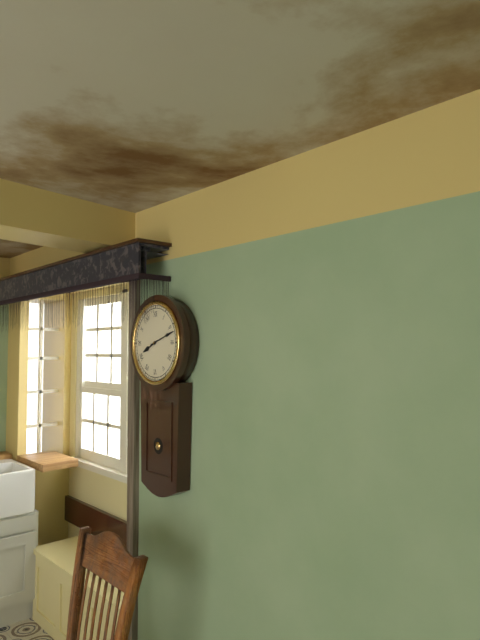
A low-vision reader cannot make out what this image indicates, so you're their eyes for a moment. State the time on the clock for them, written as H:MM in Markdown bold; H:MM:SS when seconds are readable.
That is **8:12**
